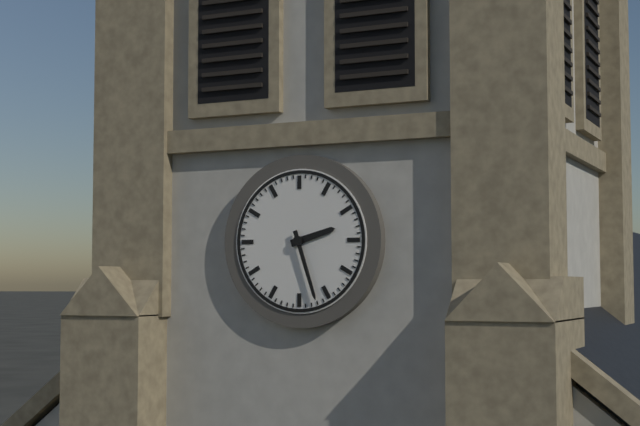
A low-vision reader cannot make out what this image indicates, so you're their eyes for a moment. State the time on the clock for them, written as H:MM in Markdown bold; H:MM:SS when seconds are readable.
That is **2:27**
